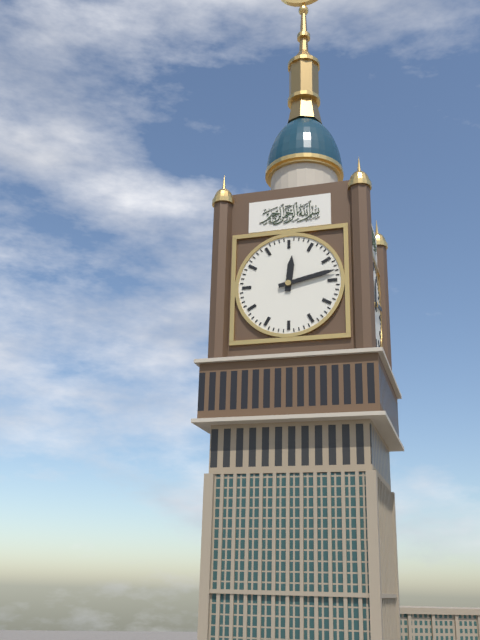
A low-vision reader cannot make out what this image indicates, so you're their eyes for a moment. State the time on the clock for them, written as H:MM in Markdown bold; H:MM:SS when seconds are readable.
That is **12:13**
